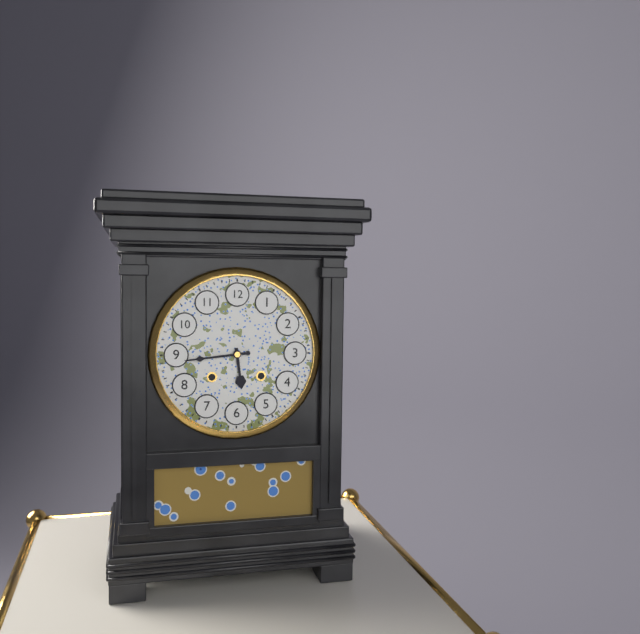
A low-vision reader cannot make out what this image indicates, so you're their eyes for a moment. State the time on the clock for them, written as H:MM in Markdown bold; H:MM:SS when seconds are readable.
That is **5:44**
